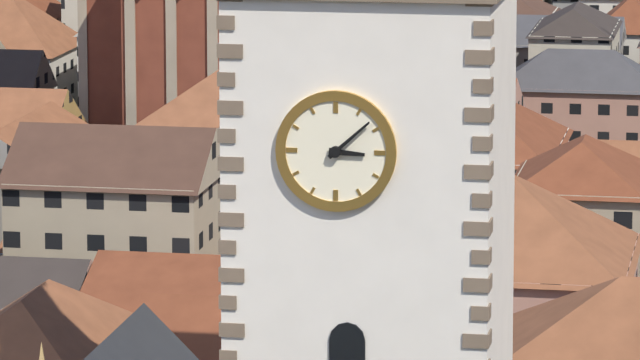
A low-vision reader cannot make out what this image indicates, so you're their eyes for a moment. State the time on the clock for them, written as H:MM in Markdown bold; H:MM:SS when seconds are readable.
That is **3:08**
